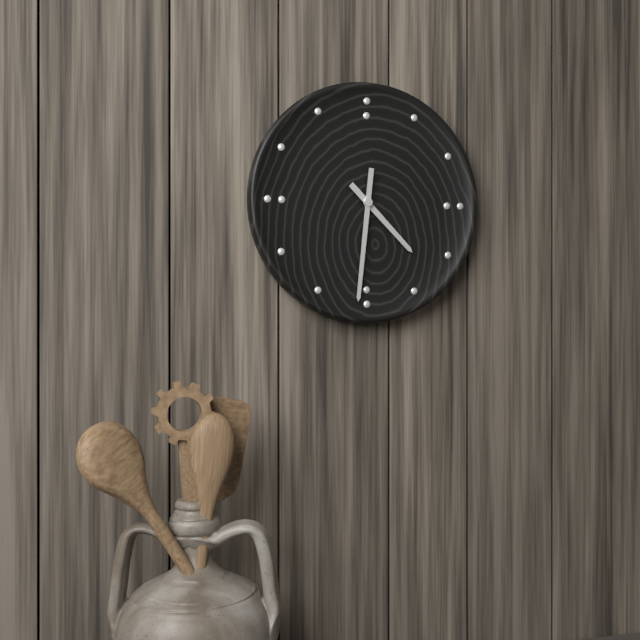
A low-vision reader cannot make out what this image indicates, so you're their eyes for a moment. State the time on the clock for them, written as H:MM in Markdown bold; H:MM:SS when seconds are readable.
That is **4:31**
